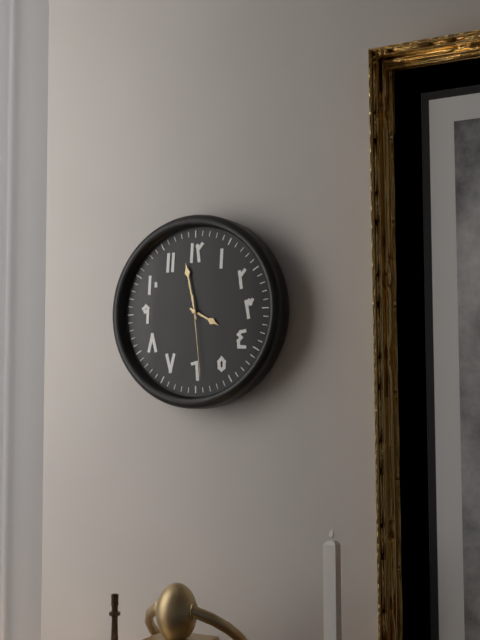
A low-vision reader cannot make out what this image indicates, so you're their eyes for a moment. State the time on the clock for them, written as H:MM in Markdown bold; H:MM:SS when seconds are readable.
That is **3:58:29**
